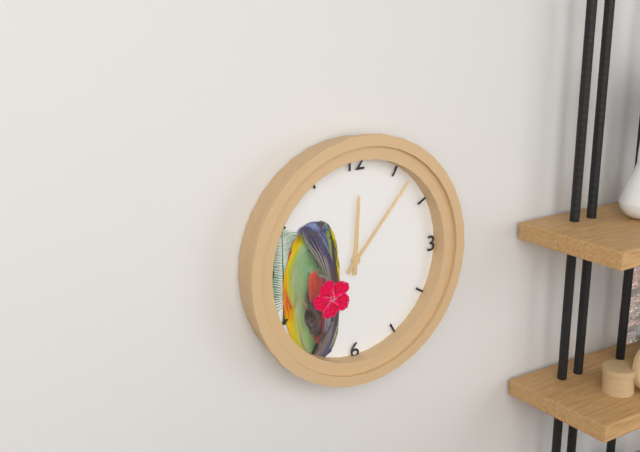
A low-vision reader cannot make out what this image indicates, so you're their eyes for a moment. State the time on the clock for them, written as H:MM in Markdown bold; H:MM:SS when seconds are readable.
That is **12:07**
